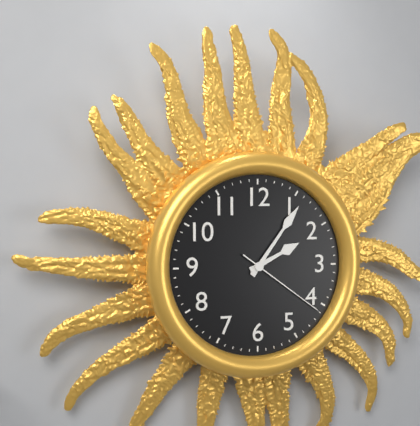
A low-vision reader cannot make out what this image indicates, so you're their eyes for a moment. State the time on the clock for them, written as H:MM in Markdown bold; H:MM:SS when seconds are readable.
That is **2:06:21**
